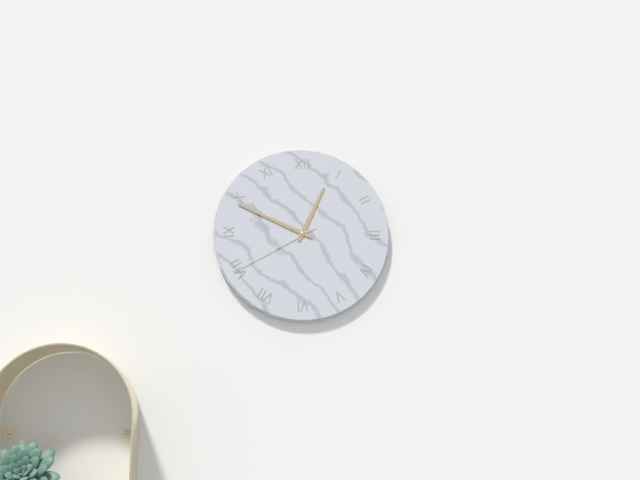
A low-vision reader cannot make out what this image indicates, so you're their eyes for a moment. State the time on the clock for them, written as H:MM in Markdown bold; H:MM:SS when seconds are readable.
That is **12:49:40**
